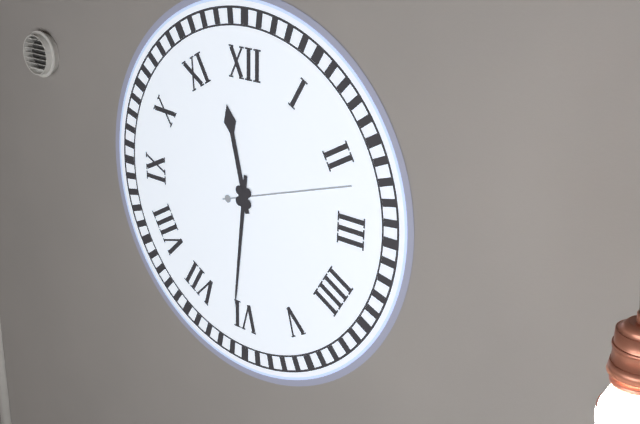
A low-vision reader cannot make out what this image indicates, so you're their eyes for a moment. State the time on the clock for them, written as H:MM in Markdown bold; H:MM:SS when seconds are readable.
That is **11:31:12**
